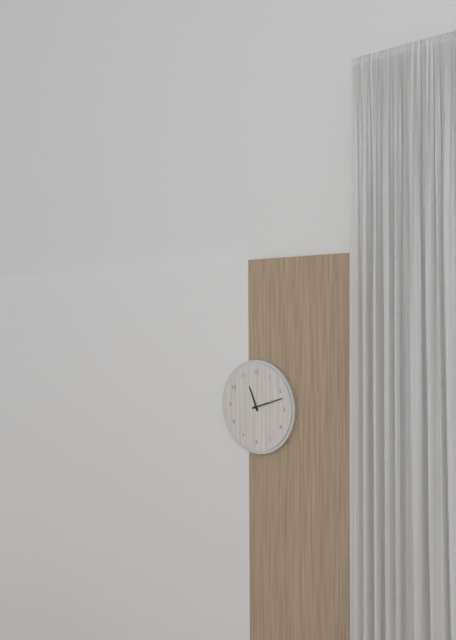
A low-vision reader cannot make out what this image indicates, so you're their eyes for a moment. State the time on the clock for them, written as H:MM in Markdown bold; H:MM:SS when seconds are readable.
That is **11:12**
